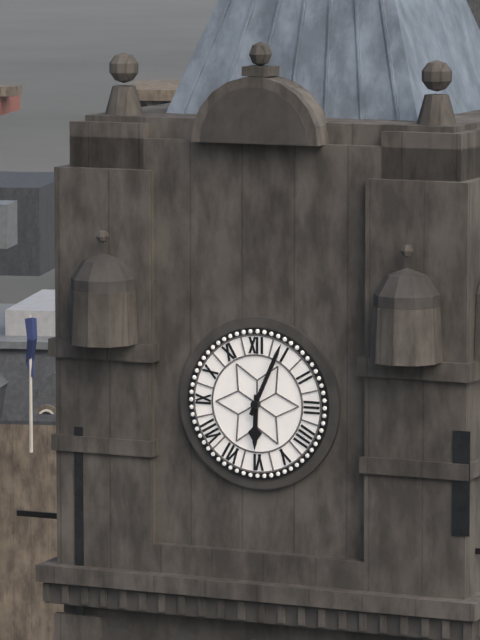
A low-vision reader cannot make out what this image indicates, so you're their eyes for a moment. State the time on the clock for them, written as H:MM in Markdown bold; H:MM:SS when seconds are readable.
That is **6:04**
